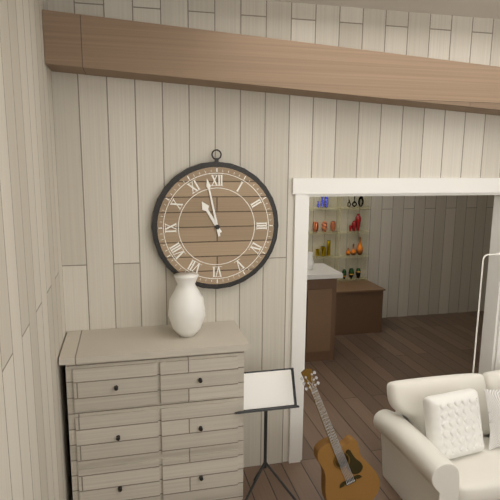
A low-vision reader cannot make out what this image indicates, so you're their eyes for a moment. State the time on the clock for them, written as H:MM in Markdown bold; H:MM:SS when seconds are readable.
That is **10:58**
